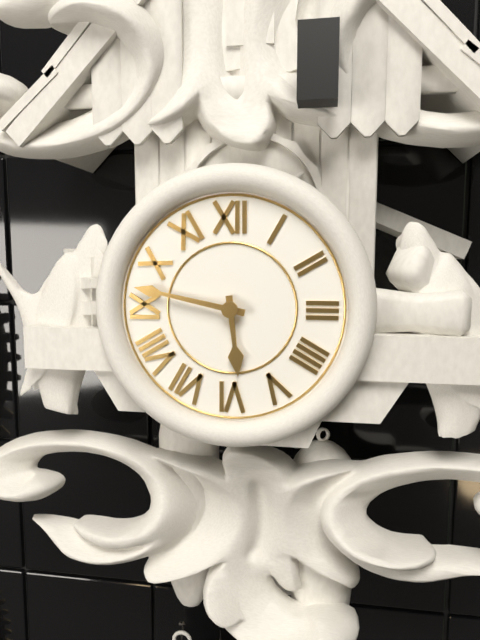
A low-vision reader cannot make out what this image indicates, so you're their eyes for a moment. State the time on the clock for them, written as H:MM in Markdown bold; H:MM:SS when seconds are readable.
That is **5:47**
